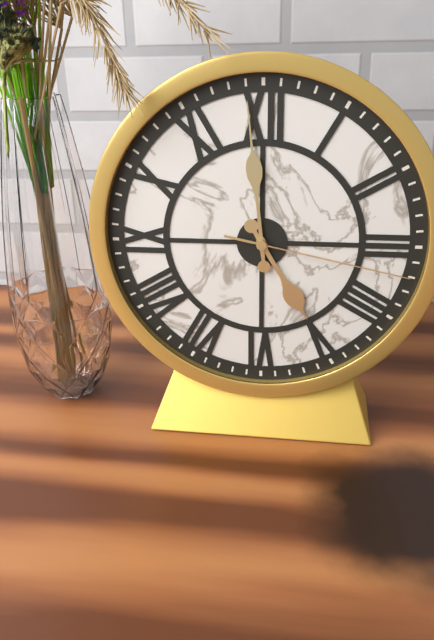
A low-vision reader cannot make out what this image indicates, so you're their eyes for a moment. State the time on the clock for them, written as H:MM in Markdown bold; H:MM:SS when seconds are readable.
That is **4:59:17**
